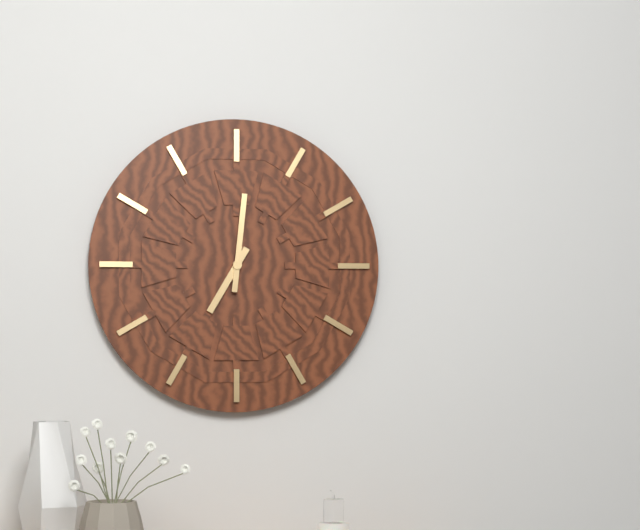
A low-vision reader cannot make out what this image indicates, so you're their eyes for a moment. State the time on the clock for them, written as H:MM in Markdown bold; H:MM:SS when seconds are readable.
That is **7:01**
